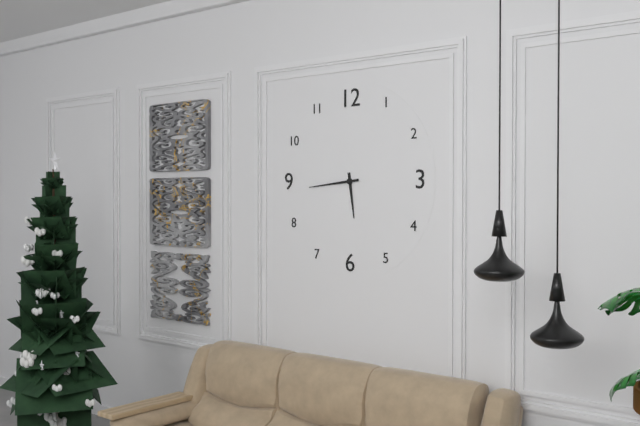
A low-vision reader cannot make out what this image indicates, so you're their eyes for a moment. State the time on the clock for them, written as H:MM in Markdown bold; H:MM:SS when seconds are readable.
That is **5:44**
